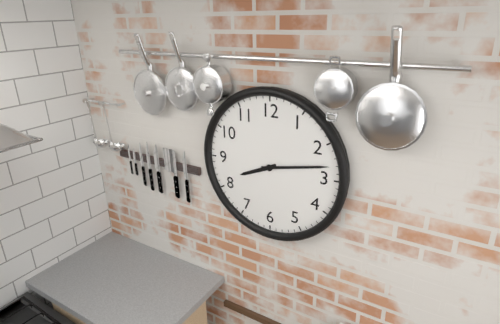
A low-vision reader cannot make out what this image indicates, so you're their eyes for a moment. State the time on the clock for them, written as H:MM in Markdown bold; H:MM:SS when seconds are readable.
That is **8:13**
